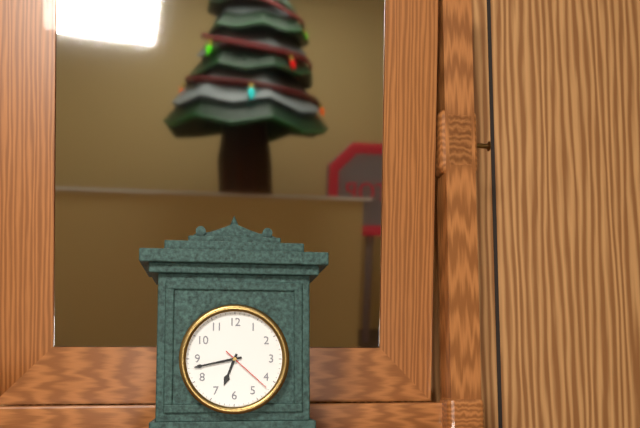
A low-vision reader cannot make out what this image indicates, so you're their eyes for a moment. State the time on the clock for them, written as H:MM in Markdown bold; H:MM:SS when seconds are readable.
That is **6:43:22**
